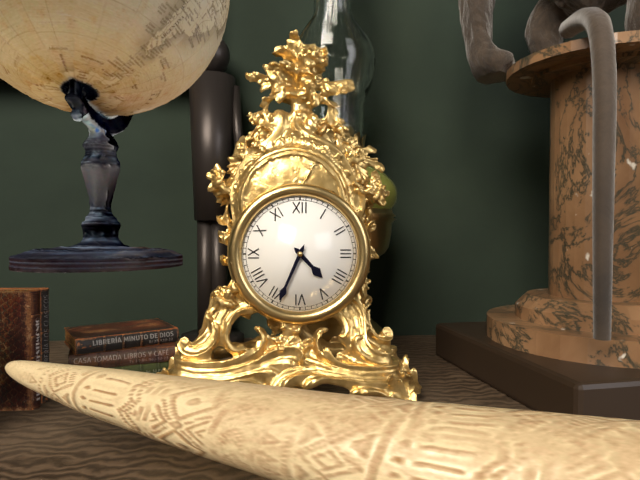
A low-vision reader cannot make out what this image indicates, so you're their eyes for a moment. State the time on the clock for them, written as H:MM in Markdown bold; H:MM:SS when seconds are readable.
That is **4:34**
